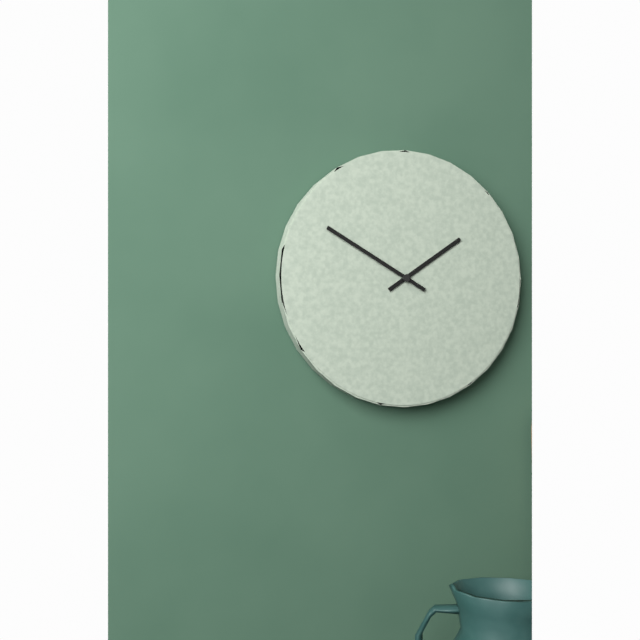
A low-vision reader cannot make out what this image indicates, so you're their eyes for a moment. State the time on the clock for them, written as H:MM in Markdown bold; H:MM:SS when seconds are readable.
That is **1:50**
